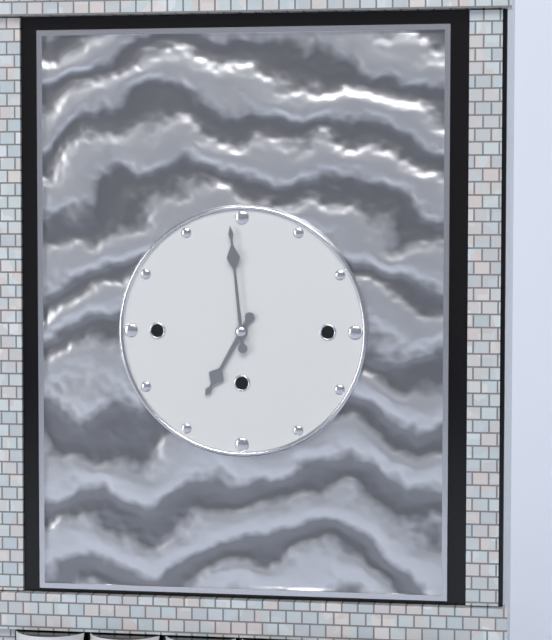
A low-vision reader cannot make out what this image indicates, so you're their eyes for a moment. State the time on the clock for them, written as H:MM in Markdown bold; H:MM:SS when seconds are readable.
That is **6:59**
